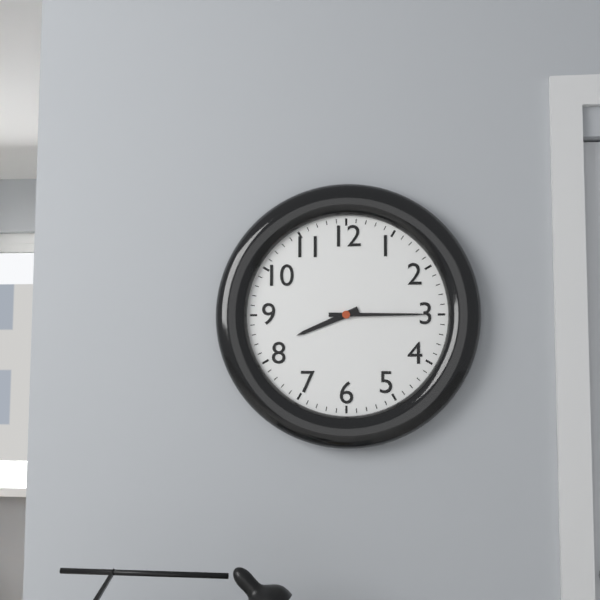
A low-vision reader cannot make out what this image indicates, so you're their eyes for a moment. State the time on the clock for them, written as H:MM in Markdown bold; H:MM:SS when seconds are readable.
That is **8:15**
